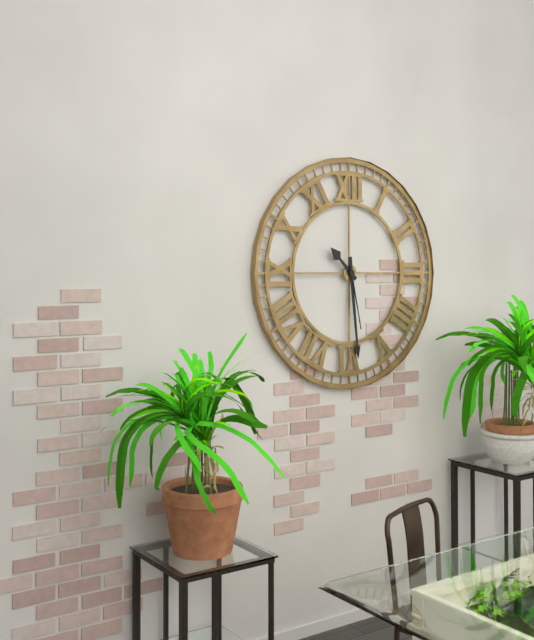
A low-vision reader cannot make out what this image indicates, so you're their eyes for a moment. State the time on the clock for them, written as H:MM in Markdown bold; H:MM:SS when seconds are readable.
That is **10:29:28**
